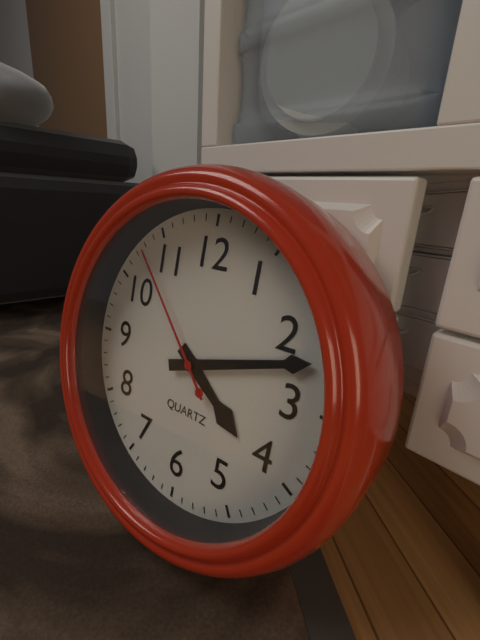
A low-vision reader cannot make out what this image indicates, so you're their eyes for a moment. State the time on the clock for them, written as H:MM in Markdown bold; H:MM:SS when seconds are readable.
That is **4:12:53**
